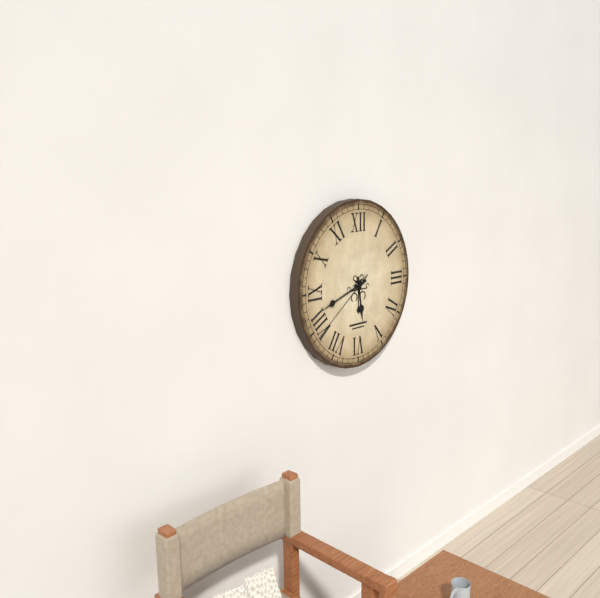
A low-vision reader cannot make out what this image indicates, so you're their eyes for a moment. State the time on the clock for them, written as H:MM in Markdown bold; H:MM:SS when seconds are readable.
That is **5:42:39**
